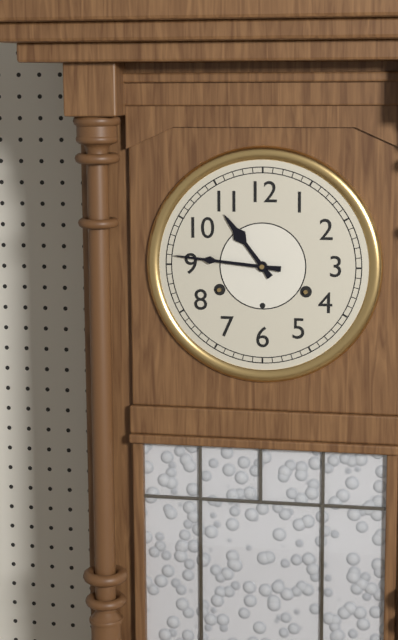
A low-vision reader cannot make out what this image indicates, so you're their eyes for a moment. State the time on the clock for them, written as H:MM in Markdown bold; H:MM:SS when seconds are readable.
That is **10:46**
